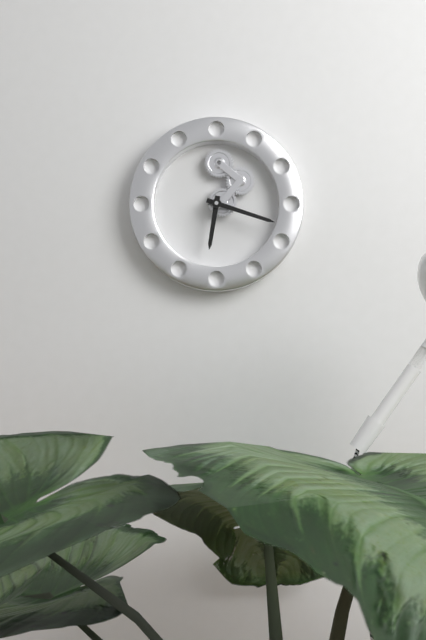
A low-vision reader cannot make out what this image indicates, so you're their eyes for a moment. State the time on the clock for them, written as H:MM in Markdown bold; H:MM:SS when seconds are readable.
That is **6:18**
